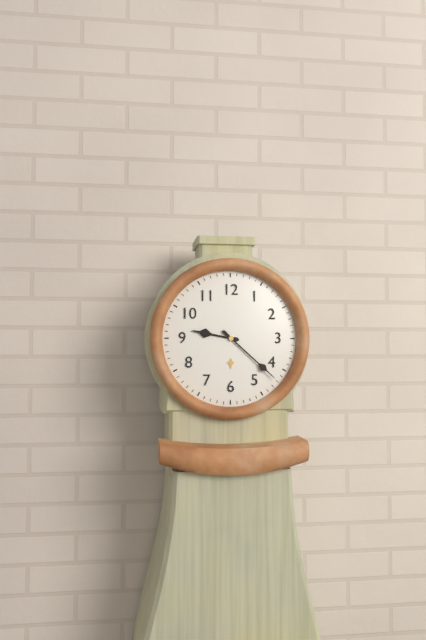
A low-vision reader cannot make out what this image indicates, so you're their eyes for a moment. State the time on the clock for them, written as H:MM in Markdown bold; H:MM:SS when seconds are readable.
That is **9:22**
